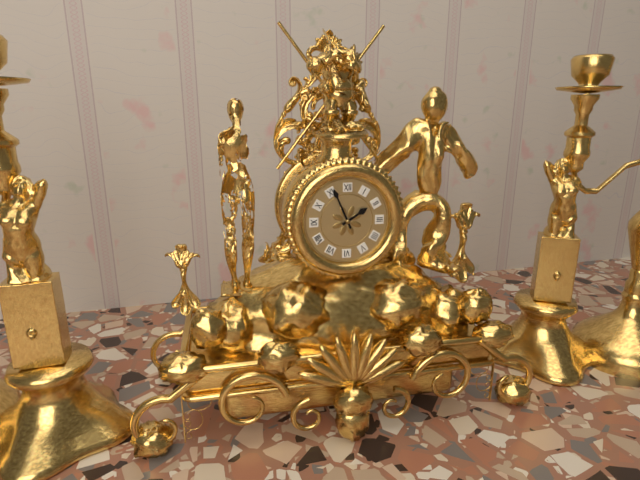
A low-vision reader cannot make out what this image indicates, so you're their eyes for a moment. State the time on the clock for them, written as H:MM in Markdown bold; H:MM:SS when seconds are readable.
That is **1:56**
